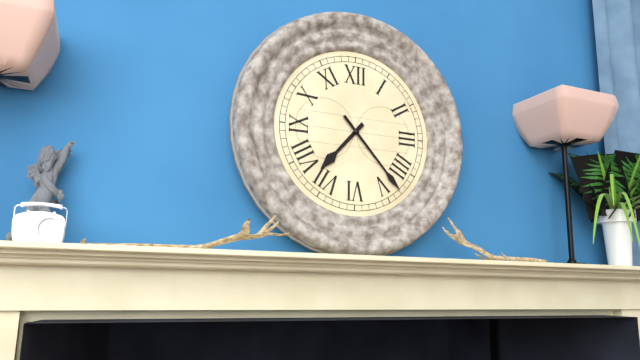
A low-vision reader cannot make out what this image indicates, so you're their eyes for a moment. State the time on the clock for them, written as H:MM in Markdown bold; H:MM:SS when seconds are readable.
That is **7:23**
